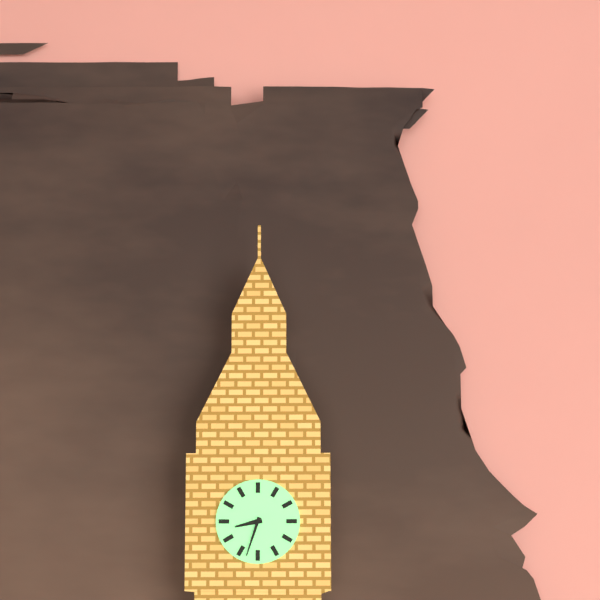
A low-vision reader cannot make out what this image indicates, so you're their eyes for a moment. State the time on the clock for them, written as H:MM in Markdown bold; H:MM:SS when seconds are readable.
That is **8:33**
